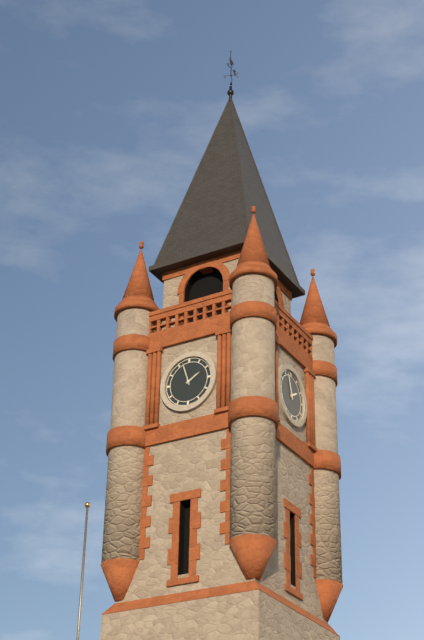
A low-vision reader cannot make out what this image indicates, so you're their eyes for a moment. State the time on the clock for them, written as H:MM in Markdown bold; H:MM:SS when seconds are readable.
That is **1:57**
